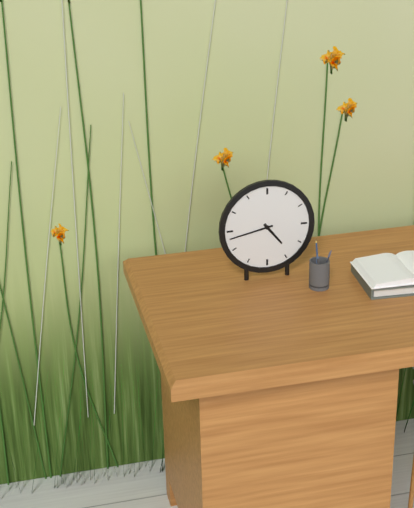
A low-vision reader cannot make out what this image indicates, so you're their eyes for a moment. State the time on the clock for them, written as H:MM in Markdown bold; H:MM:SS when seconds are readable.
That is **4:43**
